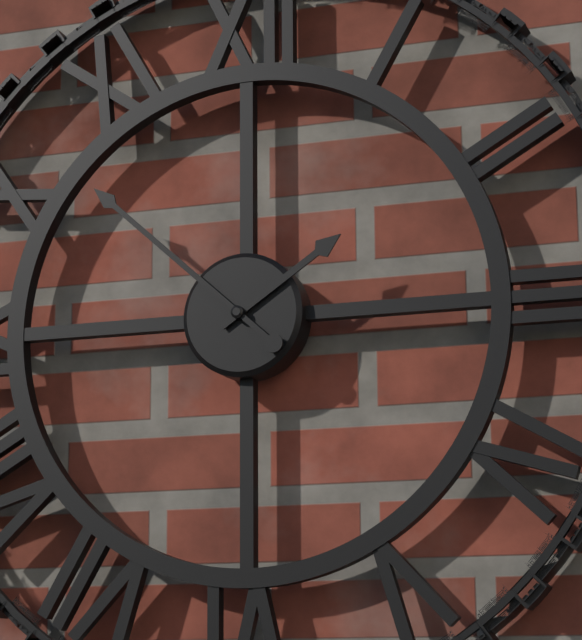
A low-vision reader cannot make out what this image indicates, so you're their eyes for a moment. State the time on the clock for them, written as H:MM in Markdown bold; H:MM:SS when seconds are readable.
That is **1:52**
